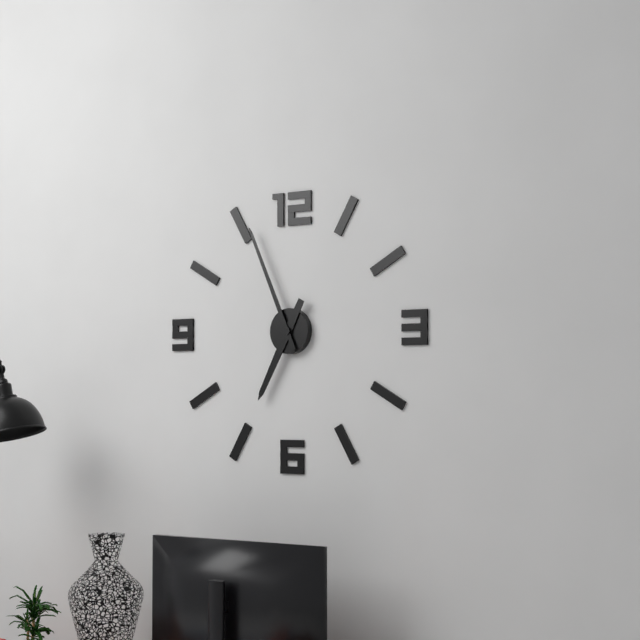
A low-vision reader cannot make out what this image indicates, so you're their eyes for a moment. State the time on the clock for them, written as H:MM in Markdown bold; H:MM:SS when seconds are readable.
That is **6:56**
